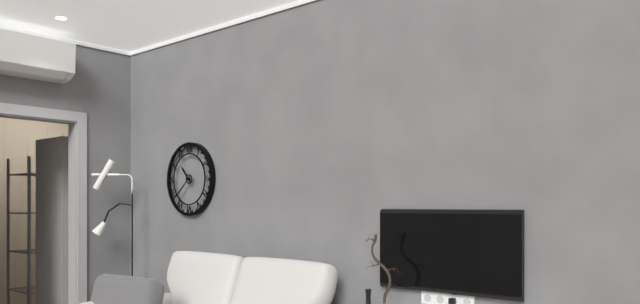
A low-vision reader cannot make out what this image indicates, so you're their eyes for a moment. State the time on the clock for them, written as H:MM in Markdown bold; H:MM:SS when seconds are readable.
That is **10:38**
